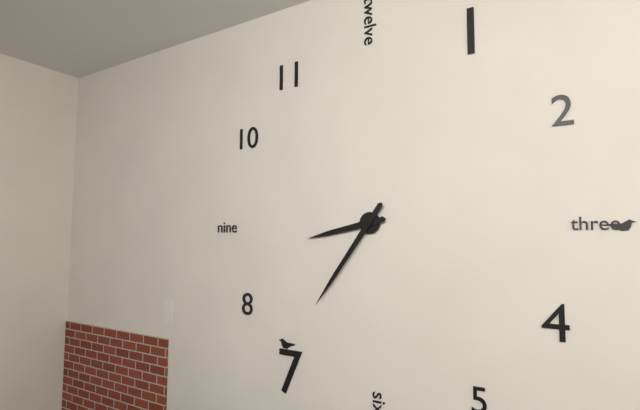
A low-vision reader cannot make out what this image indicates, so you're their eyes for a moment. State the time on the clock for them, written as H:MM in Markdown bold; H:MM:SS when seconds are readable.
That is **8:36**
